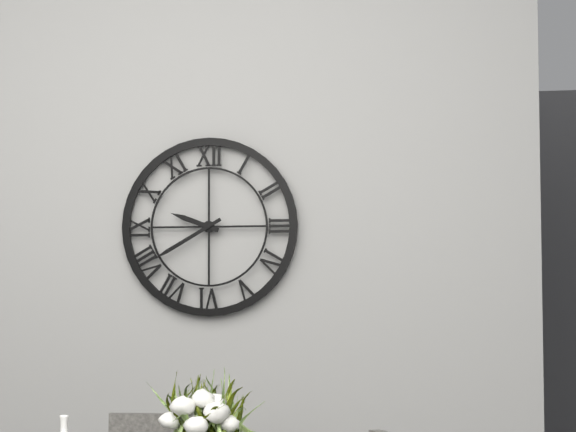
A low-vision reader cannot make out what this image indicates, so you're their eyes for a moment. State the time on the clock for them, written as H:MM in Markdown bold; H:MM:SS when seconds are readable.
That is **9:40**
